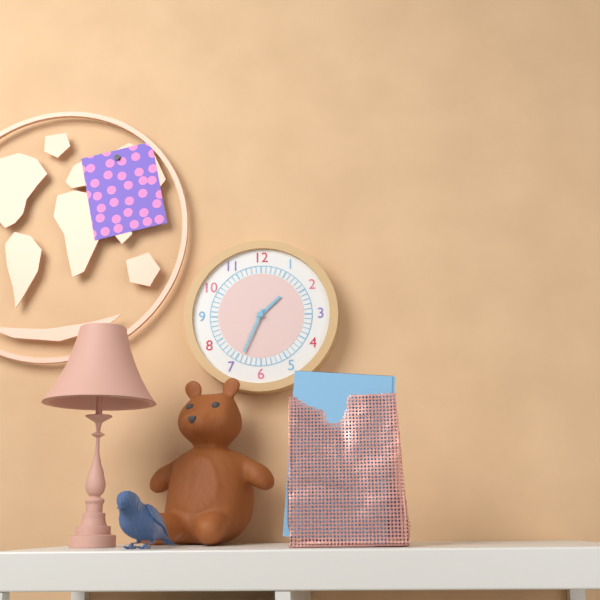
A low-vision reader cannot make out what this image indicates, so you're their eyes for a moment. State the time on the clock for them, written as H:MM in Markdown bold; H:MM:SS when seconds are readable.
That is **1:34**
